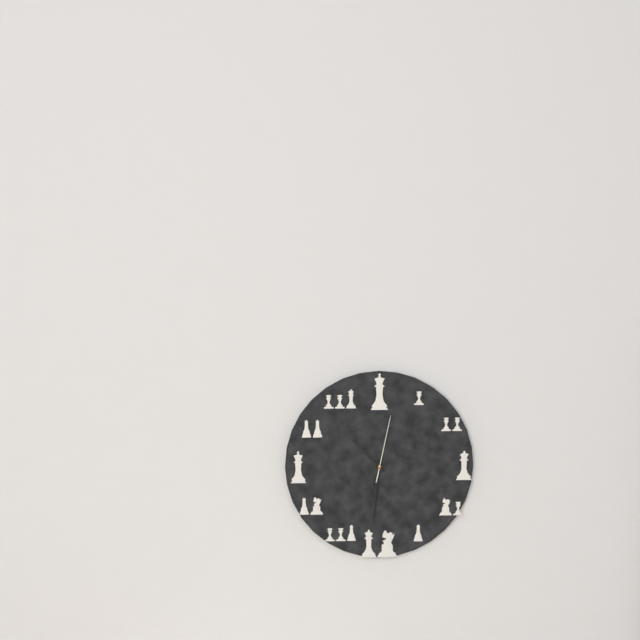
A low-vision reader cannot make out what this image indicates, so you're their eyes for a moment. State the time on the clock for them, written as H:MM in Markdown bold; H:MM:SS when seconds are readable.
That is **10:31:02**
